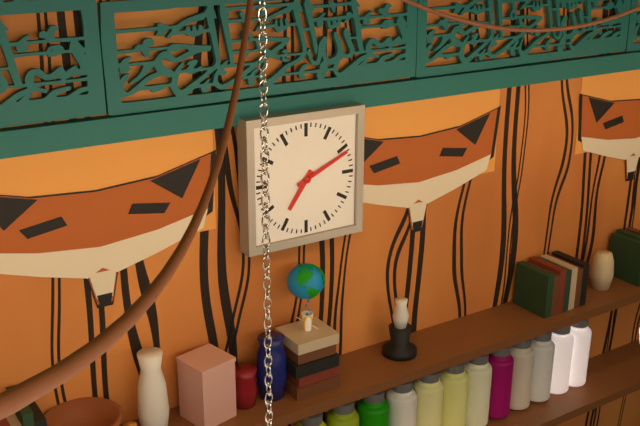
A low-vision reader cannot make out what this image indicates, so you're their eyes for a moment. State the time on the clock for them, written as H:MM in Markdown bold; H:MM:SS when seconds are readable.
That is **7:11**
